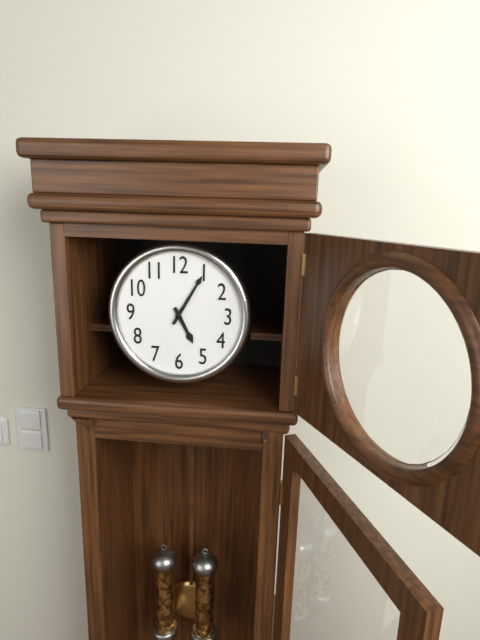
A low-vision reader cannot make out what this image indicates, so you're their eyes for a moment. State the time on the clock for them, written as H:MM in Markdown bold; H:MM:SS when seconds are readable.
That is **5:05**
